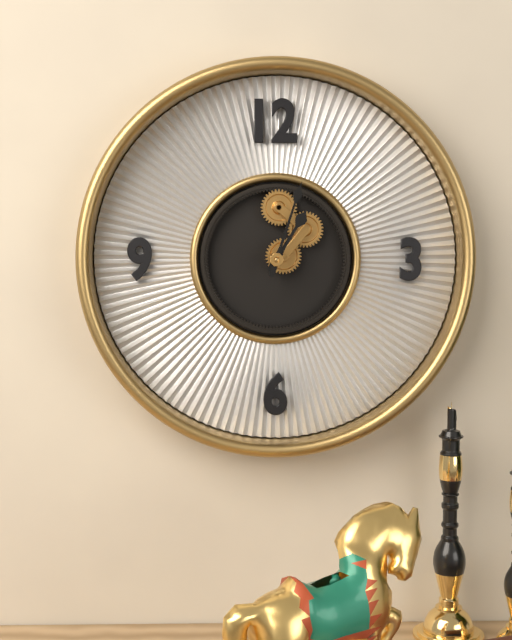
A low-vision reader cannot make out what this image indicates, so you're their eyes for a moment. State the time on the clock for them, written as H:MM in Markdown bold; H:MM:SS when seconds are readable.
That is **1:03**
